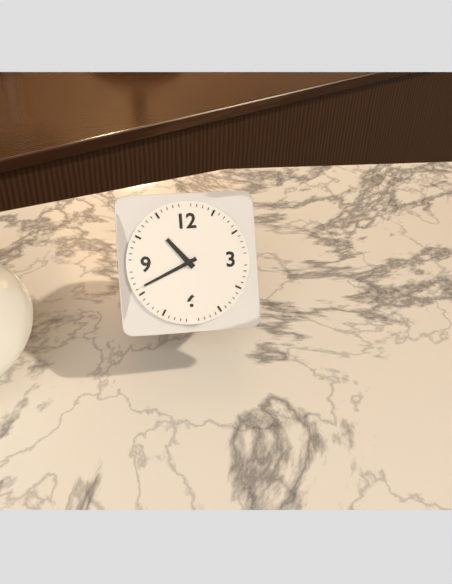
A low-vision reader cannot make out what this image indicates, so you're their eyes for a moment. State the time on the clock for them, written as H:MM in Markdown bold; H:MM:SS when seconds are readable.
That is **10:41**
